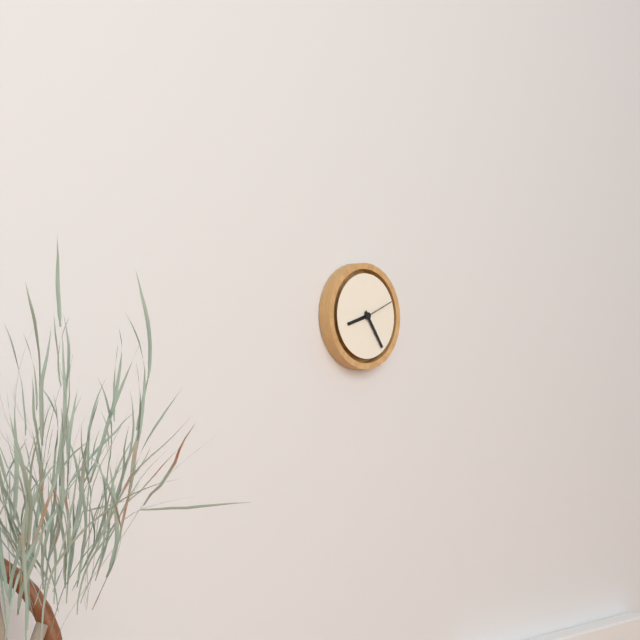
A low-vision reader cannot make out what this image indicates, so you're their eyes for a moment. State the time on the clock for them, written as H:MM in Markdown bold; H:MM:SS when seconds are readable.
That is **8:24**
